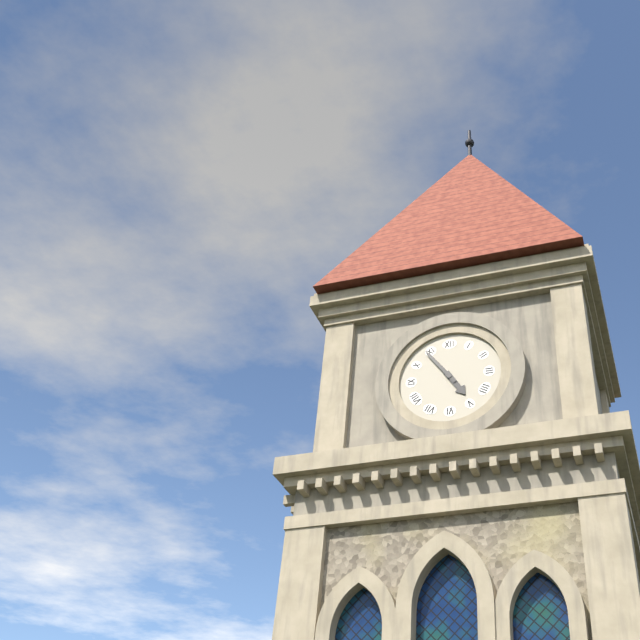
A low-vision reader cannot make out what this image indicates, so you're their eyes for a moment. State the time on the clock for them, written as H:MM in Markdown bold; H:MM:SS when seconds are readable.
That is **4:54**
